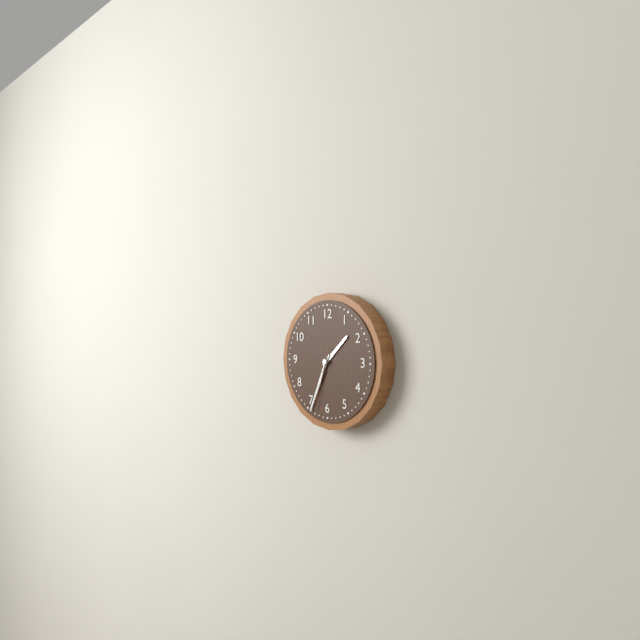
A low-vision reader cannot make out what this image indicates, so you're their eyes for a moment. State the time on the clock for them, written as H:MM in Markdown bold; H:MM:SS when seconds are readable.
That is **1:34:33**
